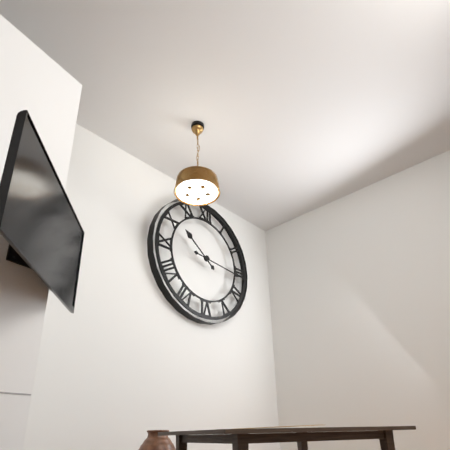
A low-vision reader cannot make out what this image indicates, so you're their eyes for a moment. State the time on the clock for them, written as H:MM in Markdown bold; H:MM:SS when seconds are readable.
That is **10:16**
